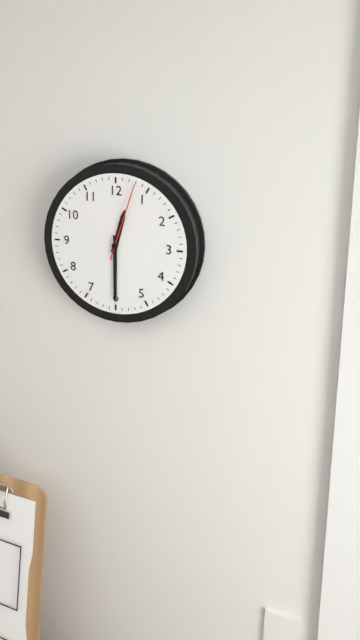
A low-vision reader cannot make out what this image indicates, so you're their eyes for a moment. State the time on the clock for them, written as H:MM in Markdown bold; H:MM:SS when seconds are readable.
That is **12:30:03**
